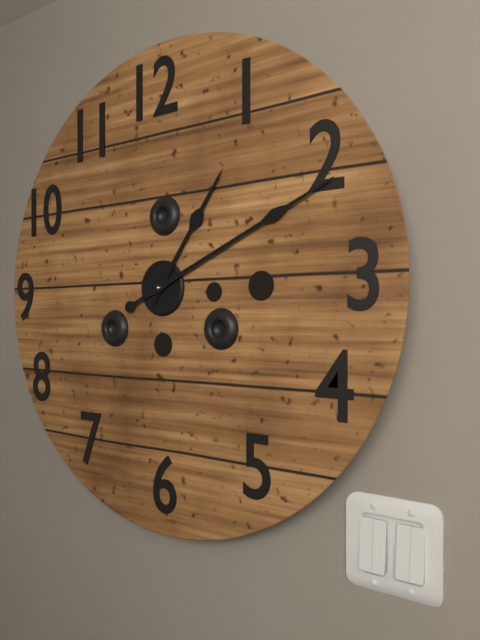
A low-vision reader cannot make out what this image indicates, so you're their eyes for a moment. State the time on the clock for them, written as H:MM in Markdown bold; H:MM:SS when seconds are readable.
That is **1:11**
